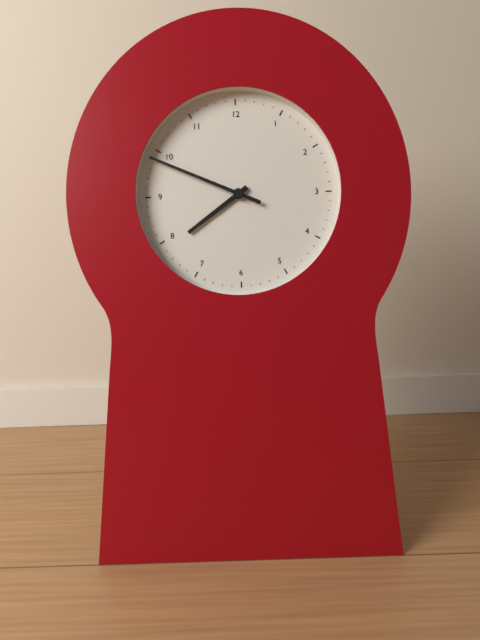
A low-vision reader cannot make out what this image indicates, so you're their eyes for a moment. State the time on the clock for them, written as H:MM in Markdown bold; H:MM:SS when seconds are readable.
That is **7:49**
